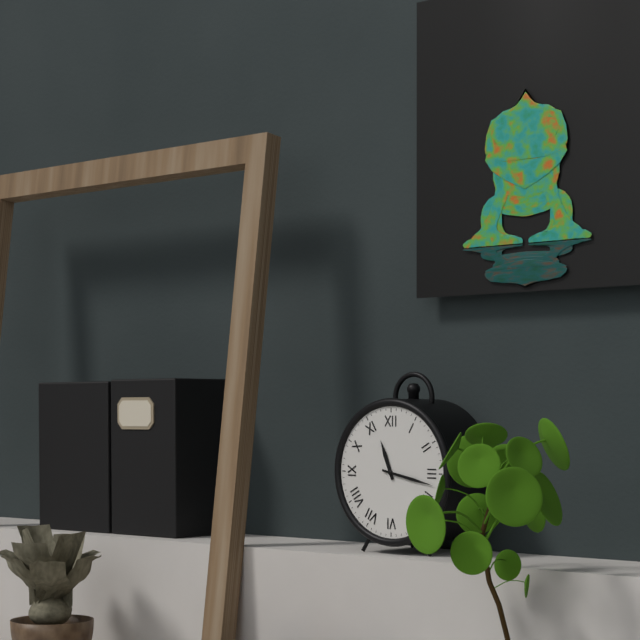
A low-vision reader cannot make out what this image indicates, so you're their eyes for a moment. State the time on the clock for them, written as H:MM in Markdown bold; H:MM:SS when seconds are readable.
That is **11:17**
